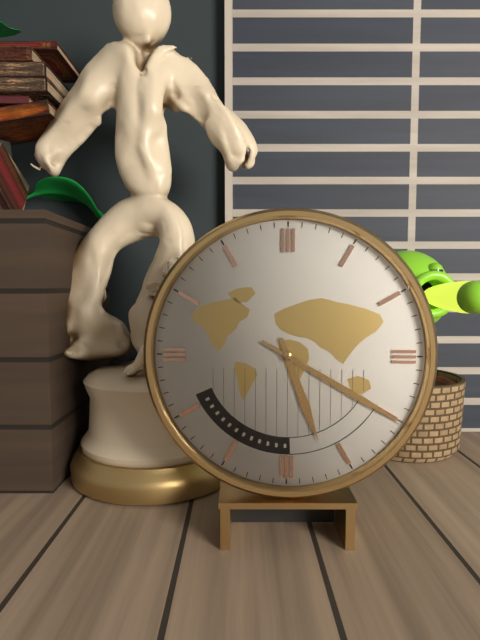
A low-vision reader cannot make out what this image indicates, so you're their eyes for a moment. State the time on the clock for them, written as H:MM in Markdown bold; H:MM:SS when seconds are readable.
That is **5:20**
